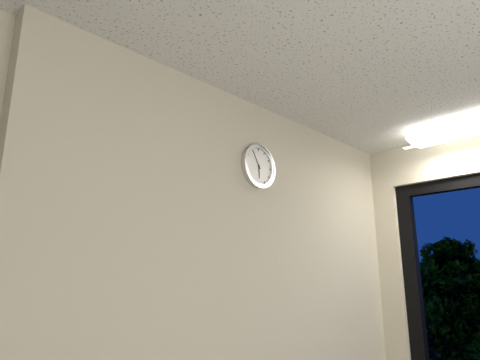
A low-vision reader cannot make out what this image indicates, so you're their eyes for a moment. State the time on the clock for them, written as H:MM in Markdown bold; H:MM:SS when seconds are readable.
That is **5:55**
